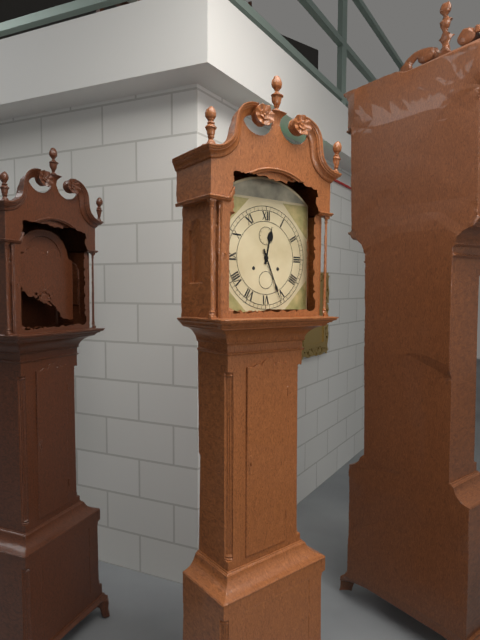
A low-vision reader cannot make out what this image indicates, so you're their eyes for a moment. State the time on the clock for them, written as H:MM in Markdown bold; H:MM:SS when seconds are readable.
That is **12:26**
